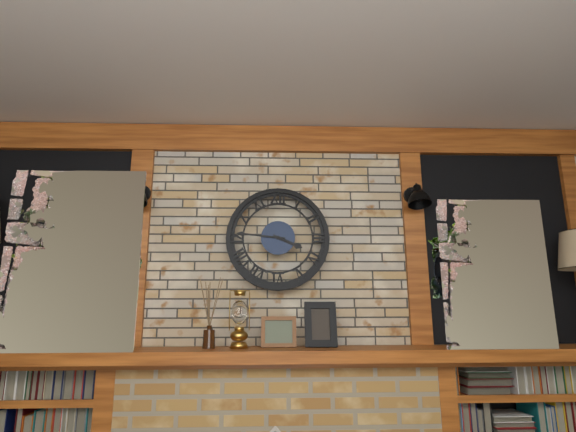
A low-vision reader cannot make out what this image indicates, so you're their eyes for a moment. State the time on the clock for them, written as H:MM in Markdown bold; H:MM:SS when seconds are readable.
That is **3:46**
